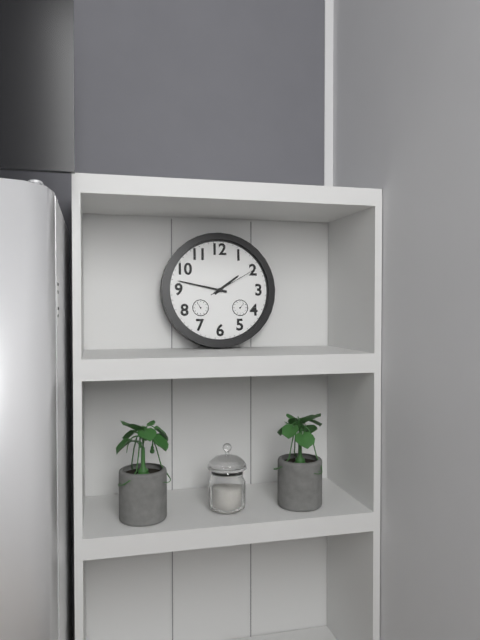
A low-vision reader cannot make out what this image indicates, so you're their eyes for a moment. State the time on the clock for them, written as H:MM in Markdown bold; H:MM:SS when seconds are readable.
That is **1:47:10**
